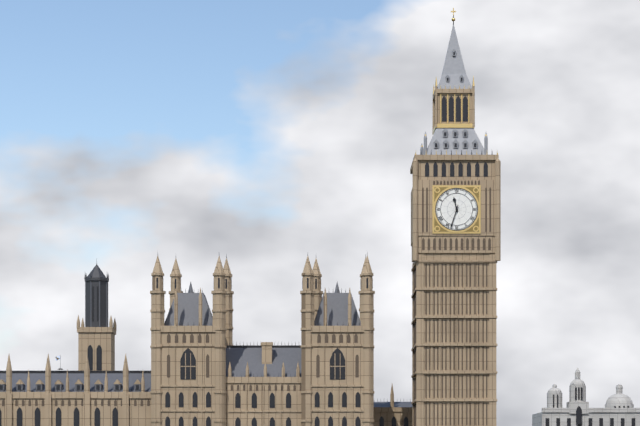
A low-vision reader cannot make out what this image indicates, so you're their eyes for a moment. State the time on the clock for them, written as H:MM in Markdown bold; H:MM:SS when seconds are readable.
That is **11:33**
